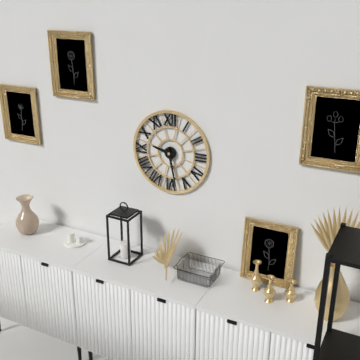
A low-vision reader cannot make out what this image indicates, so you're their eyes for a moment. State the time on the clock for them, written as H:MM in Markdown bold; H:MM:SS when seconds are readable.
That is **9:28**
